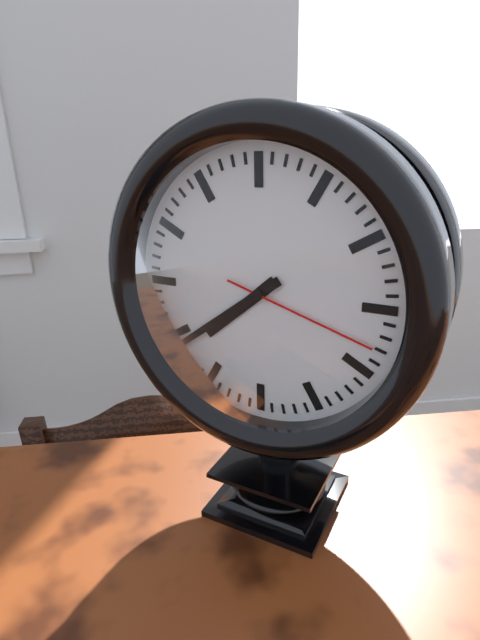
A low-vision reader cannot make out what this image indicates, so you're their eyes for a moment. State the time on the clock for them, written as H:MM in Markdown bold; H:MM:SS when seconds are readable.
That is **7:39:18**
